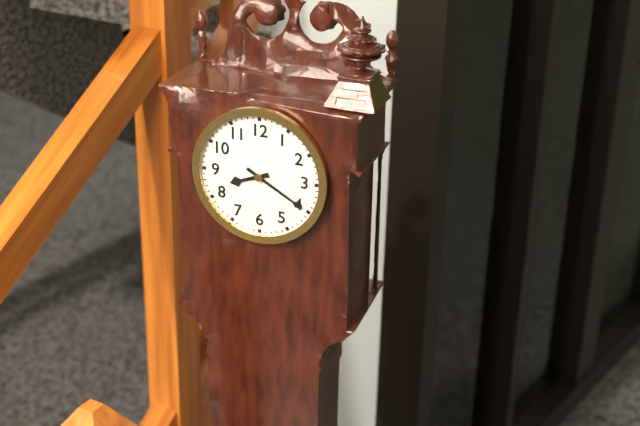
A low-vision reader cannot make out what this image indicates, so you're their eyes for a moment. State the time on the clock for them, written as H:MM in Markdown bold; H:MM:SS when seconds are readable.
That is **8:20**
